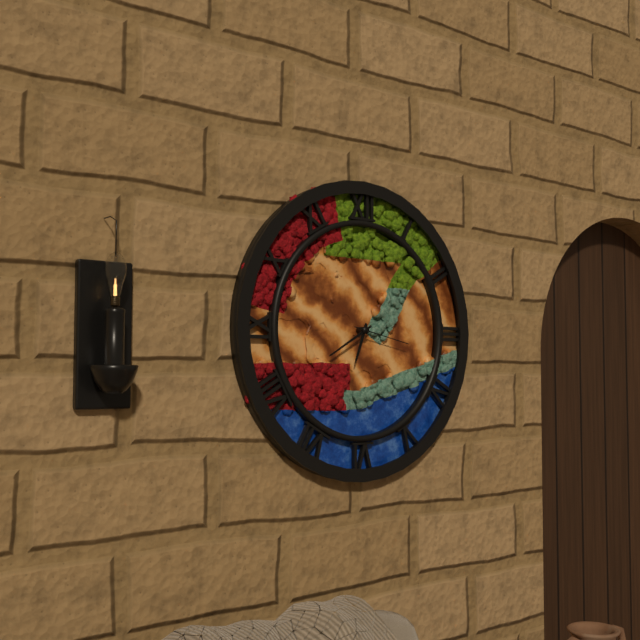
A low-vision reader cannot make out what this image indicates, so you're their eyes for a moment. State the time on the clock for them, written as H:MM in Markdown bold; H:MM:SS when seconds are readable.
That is **6:40:17**
